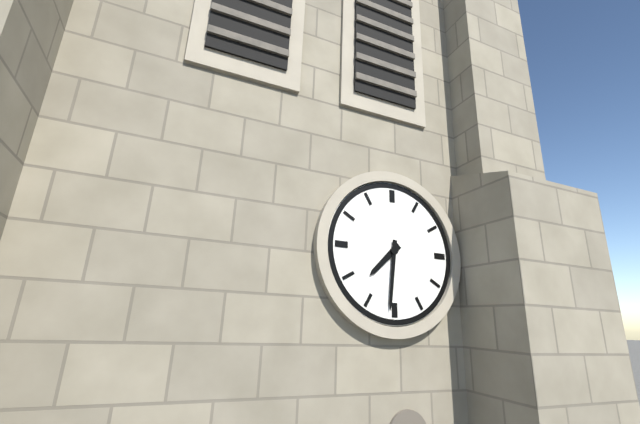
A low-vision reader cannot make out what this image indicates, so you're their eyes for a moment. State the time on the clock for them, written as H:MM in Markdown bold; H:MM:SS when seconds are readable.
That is **7:31**
